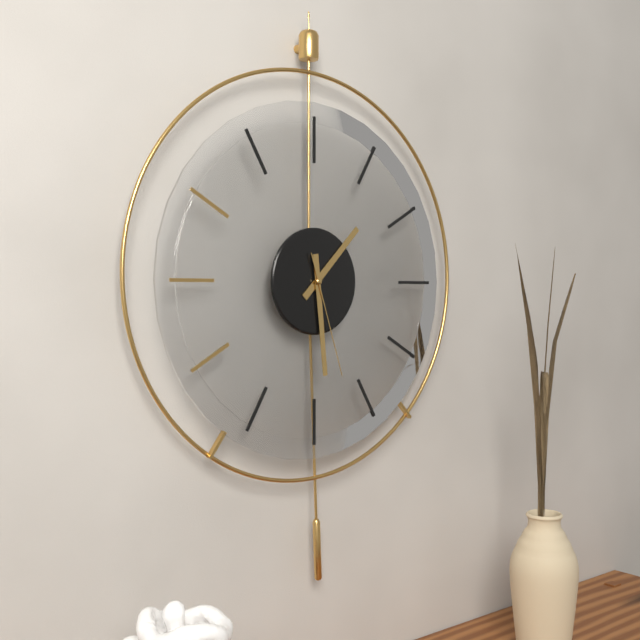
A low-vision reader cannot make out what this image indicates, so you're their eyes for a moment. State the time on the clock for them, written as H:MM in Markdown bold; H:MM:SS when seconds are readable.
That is **1:29:27**
